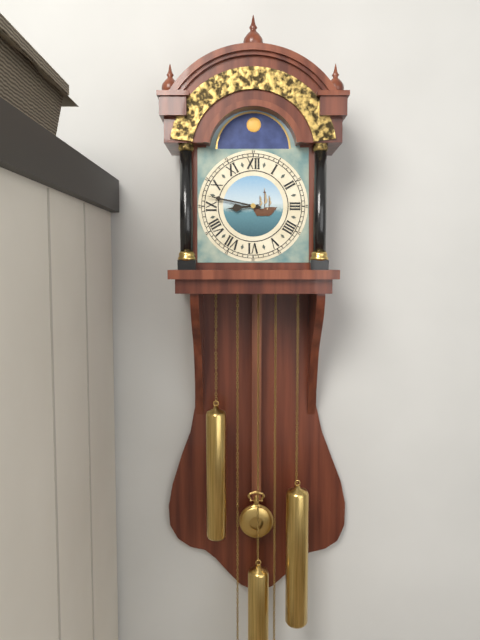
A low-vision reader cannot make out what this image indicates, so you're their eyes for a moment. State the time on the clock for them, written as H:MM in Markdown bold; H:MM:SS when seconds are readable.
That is **8:47**
